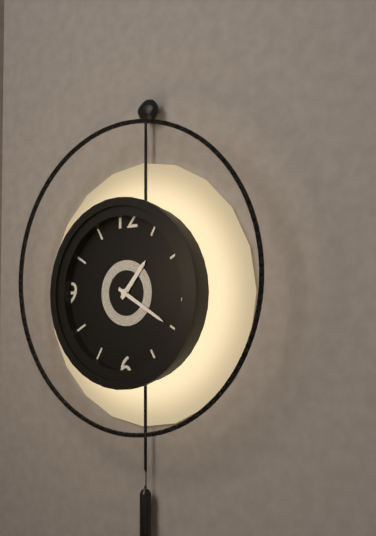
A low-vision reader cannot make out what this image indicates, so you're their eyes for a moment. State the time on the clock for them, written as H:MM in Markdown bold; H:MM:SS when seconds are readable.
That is **1:20**
